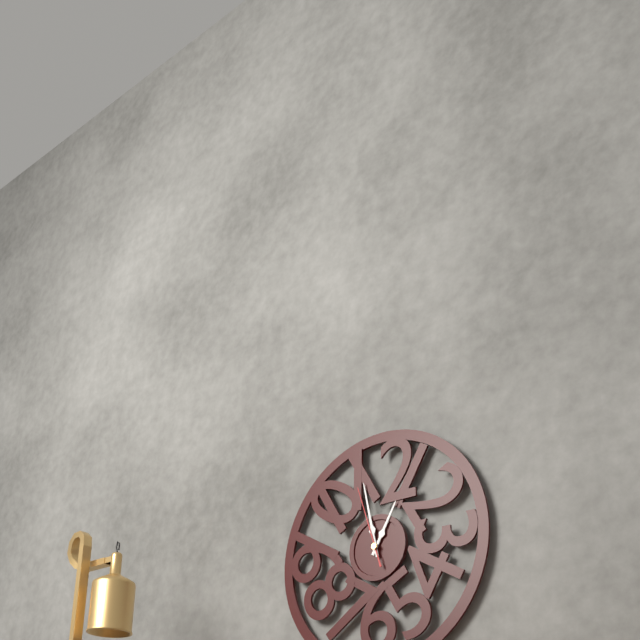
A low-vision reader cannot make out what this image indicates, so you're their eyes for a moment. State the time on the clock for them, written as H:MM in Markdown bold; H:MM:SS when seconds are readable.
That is **12:58:57**
